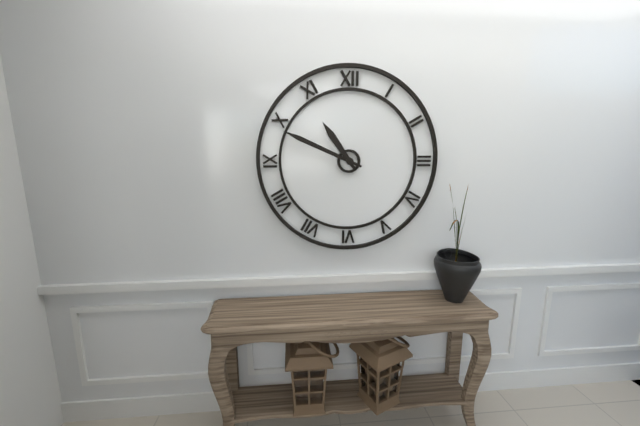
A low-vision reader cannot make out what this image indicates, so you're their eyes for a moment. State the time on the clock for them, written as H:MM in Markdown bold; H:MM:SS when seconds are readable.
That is **10:49**
